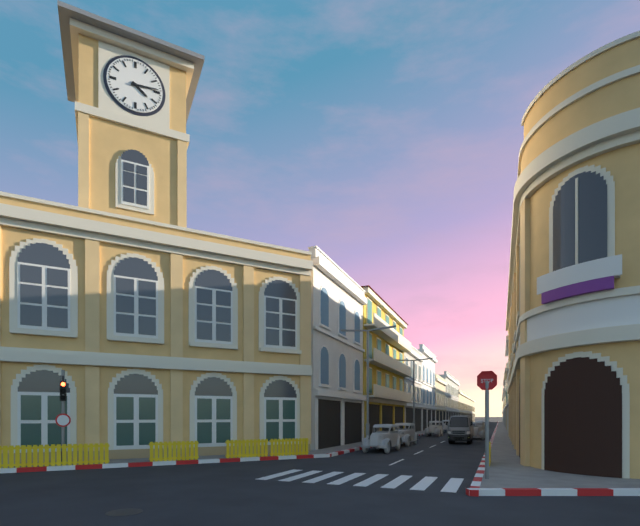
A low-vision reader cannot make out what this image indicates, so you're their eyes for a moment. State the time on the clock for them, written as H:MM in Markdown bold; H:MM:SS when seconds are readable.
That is **4:14**
